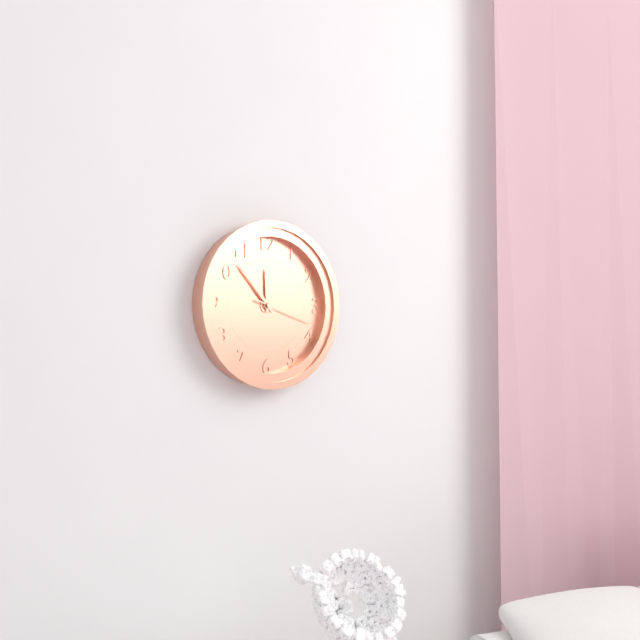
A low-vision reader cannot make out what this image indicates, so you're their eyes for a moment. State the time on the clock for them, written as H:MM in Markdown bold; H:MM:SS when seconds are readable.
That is **11:53:18**
